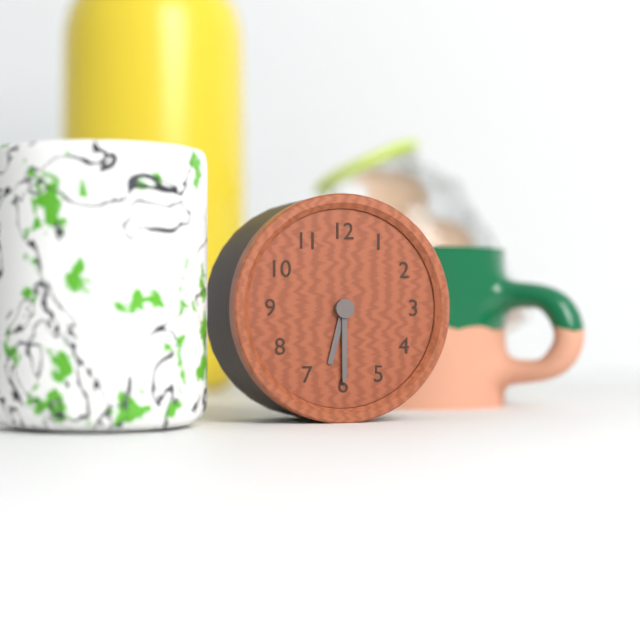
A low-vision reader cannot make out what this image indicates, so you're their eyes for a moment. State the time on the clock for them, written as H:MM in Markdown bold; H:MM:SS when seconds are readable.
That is **6:30**
